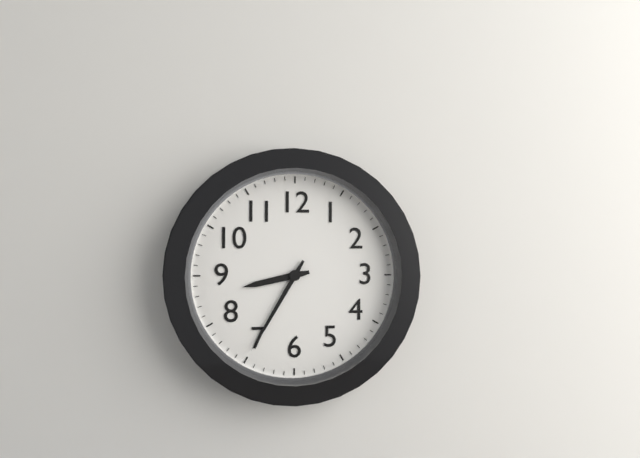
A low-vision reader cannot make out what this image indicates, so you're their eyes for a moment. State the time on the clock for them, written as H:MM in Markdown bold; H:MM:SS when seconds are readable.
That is **8:35**
